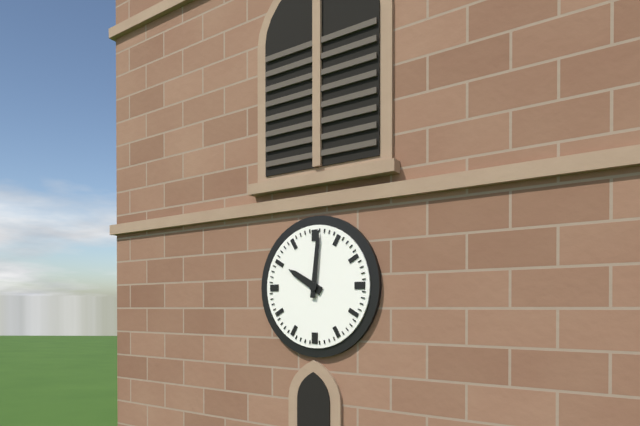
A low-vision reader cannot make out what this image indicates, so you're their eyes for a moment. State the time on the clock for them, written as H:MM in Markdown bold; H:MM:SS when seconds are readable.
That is **10:01**
